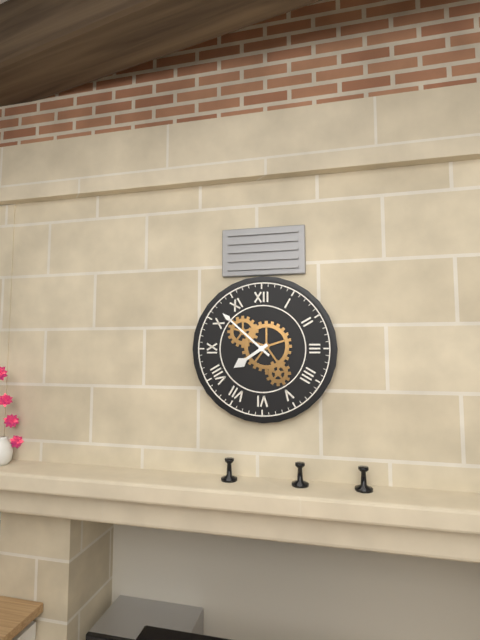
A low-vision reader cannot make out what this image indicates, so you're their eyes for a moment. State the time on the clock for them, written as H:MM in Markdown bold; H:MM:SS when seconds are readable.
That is **7:52**
